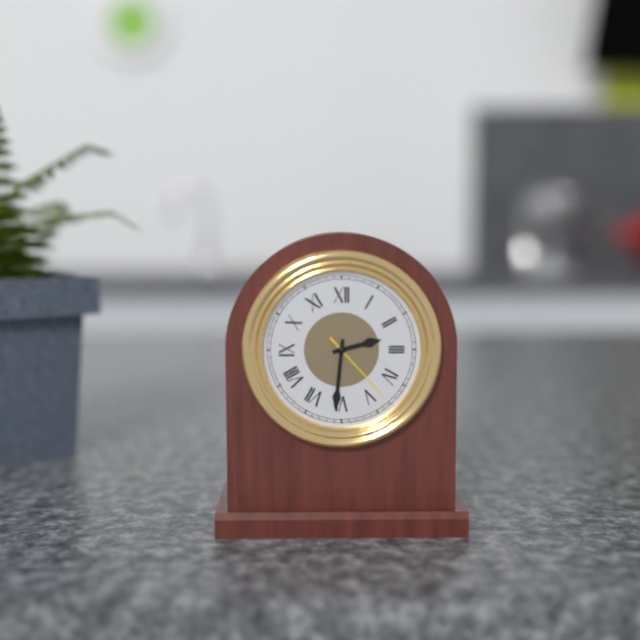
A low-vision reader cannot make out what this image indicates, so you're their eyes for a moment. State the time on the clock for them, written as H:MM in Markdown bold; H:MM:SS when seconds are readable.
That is **2:31:23**
